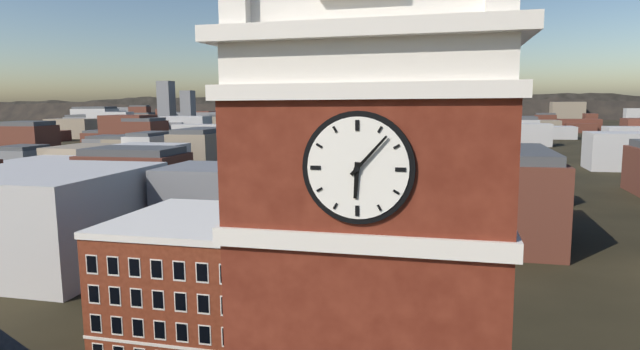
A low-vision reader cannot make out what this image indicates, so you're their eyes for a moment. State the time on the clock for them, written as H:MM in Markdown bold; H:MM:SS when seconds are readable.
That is **6:07**
